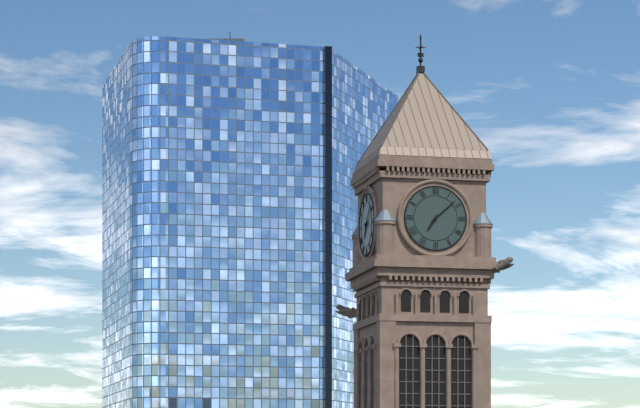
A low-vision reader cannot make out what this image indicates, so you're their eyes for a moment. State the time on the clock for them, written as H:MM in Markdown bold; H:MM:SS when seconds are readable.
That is **7:08**
